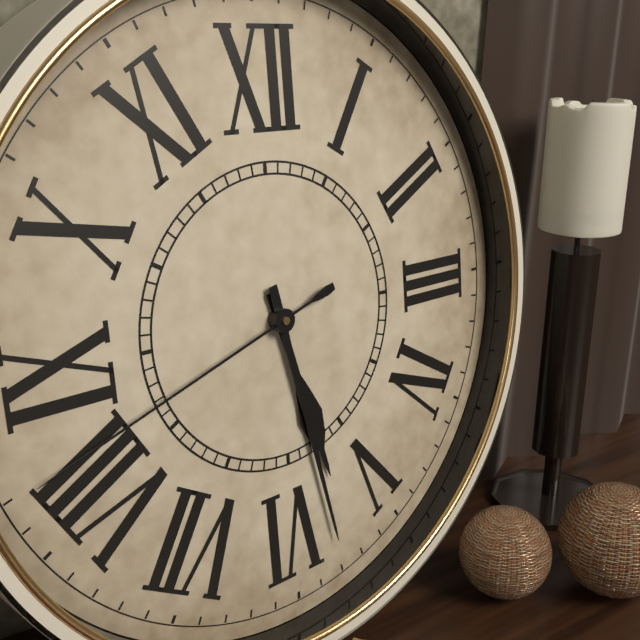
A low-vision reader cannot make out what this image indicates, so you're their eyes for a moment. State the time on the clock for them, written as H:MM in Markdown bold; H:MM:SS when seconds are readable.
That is **5:28:42**
